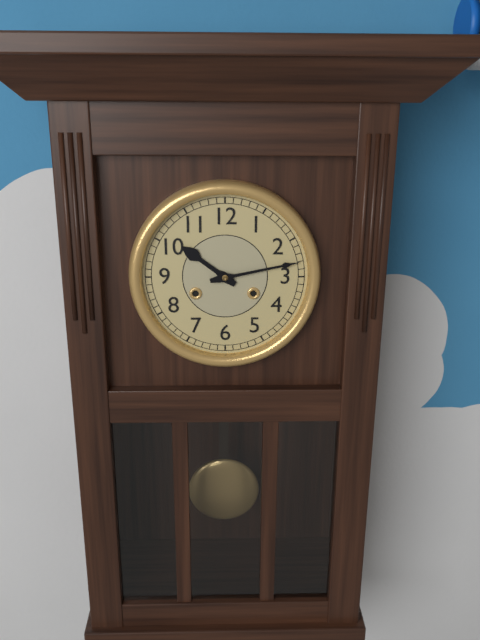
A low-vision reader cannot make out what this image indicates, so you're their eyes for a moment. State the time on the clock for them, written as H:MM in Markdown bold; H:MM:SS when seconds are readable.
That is **10:13**
